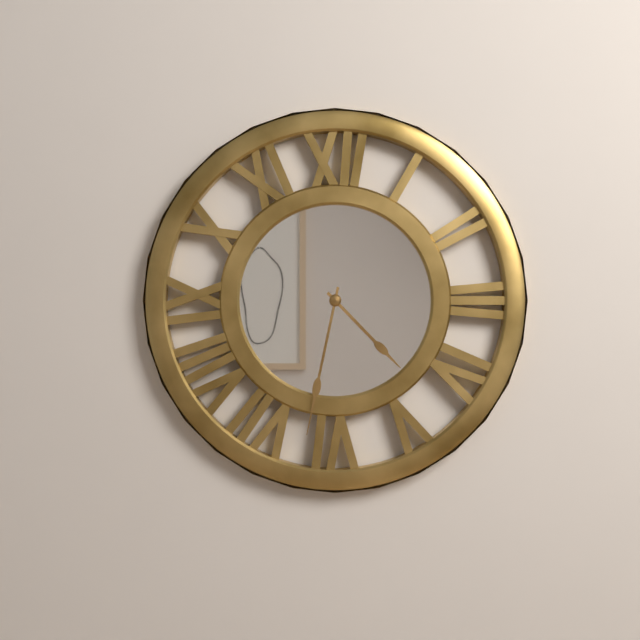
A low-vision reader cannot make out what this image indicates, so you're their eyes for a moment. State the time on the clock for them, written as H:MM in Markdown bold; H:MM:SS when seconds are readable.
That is **4:32**
